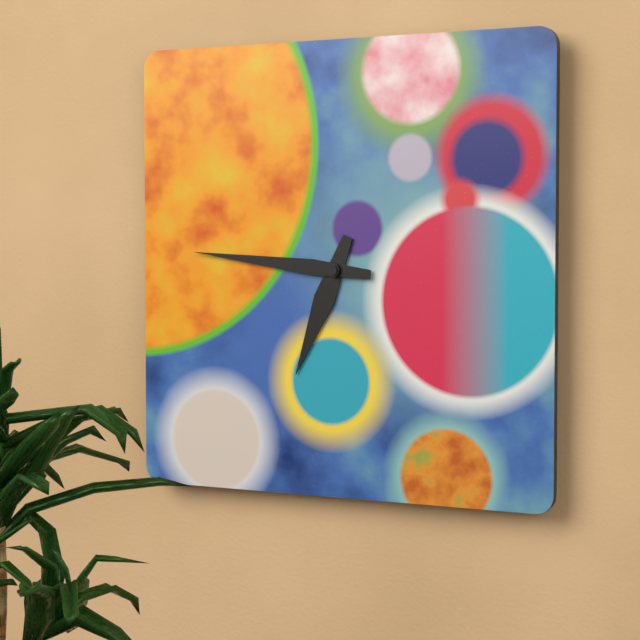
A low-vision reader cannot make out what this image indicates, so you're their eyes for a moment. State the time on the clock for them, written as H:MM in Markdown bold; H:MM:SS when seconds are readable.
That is **6:46**
